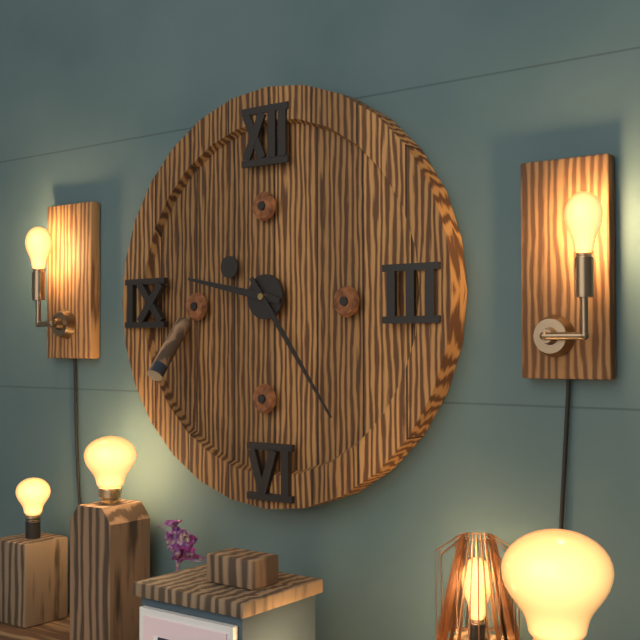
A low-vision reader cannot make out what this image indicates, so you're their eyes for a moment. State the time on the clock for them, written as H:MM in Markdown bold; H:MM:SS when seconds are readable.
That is **9:24**
